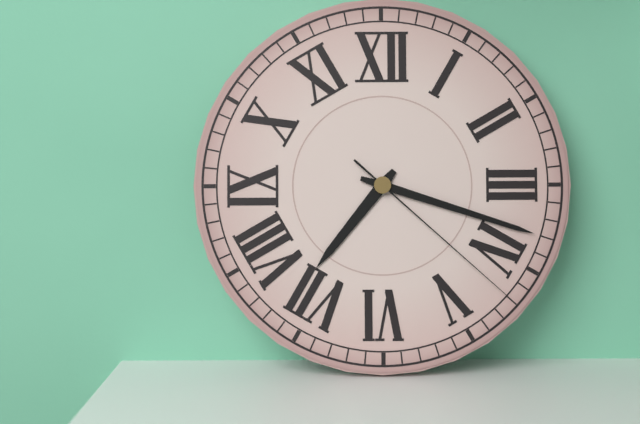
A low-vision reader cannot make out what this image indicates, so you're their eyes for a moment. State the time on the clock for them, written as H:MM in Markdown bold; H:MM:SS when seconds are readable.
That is **7:18:22**
